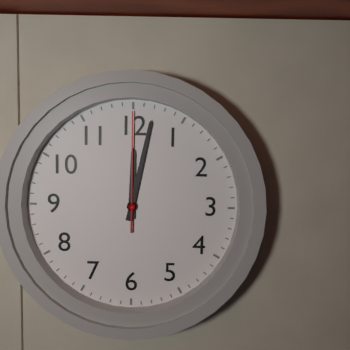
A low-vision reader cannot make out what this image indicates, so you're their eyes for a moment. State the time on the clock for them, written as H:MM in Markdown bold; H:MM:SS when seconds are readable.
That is **12:02:00**
